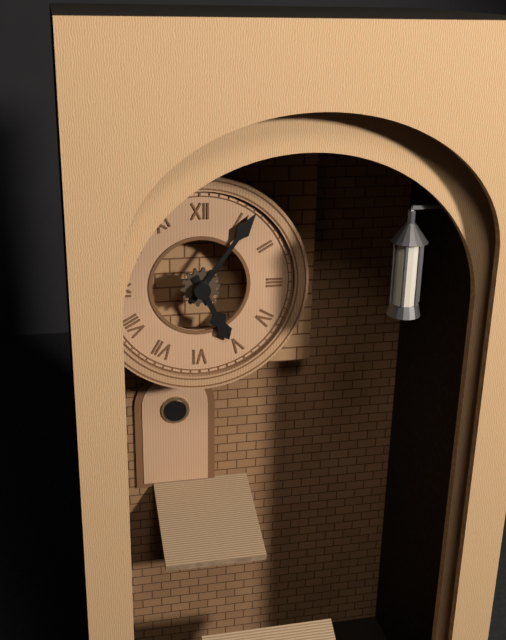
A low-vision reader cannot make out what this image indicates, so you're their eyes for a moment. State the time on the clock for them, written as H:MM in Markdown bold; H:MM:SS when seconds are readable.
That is **5:06**
